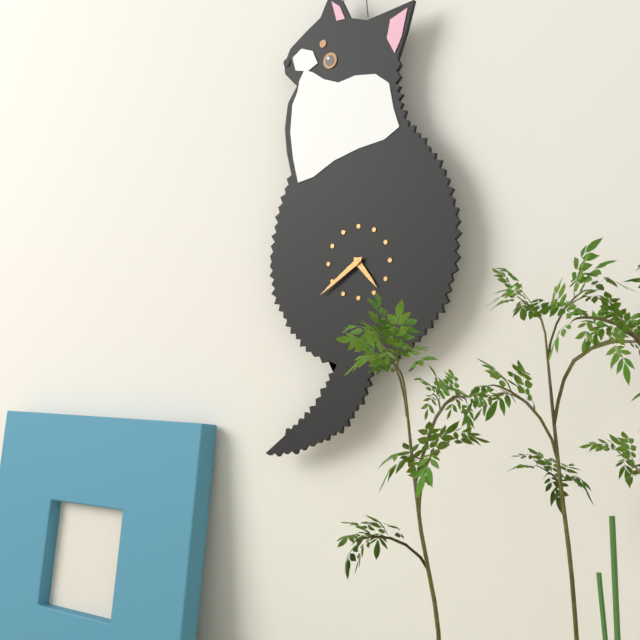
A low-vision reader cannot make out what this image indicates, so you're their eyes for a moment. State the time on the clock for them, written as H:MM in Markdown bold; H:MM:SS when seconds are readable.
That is **4:39**
